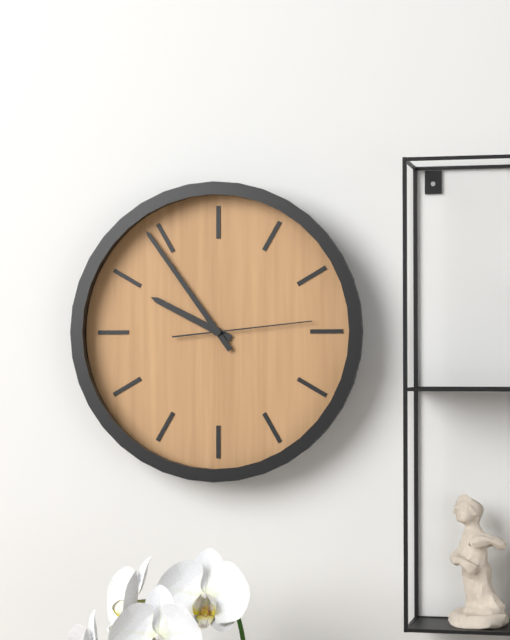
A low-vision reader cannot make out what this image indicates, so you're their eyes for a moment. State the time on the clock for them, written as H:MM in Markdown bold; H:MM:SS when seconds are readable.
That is **9:54:14**
